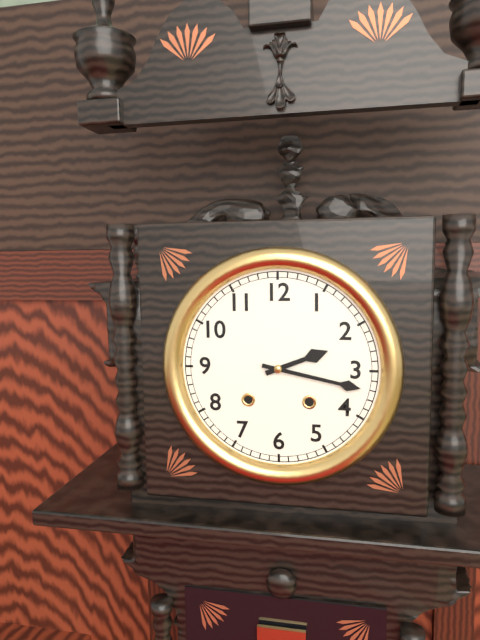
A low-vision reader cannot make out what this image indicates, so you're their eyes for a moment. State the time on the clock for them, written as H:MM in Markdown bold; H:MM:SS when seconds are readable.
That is **2:17**
